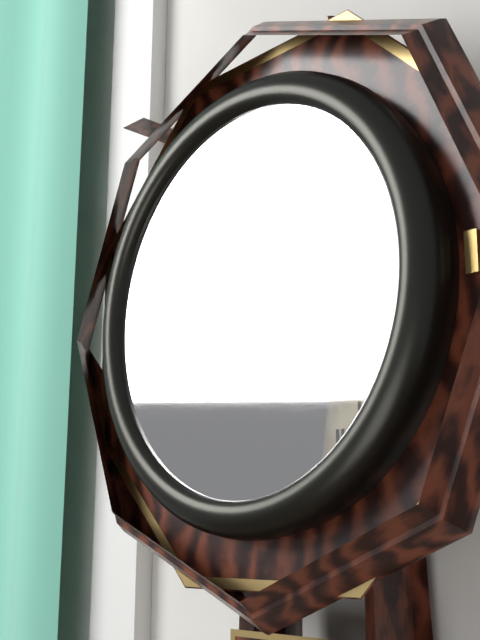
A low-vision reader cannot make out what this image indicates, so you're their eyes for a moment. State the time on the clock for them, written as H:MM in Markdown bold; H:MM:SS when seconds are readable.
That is **7:16**
